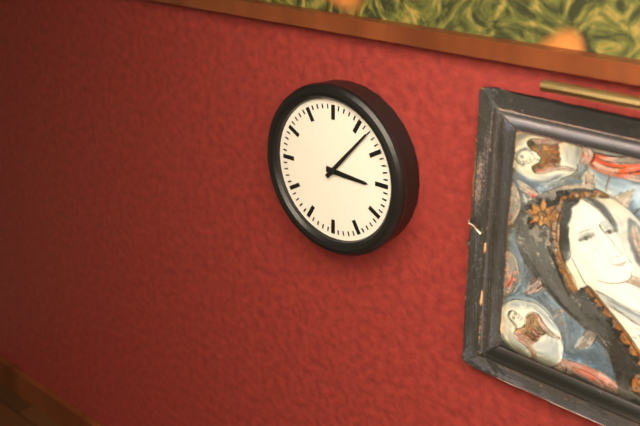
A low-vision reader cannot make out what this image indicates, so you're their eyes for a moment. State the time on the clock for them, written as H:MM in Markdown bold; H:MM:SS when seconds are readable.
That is **3:07**
